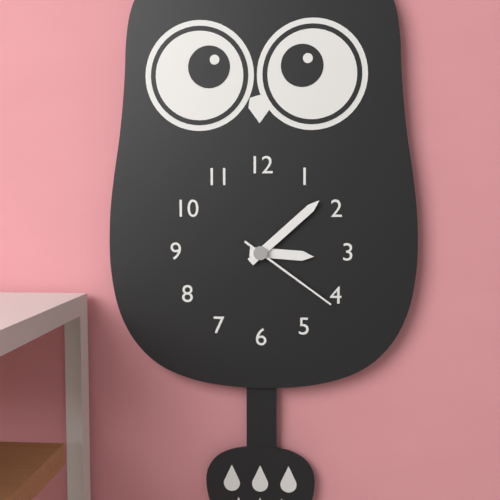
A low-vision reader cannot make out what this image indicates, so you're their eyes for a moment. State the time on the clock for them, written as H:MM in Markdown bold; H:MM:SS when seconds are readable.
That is **3:08:21**
